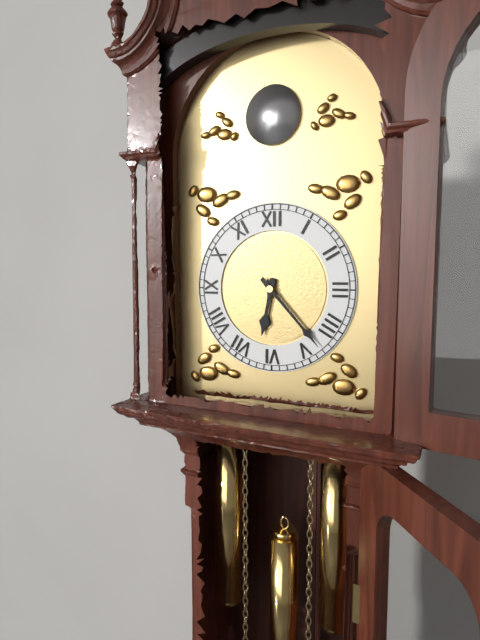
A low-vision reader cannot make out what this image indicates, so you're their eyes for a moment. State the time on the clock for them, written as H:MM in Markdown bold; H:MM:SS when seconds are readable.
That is **6:23**
